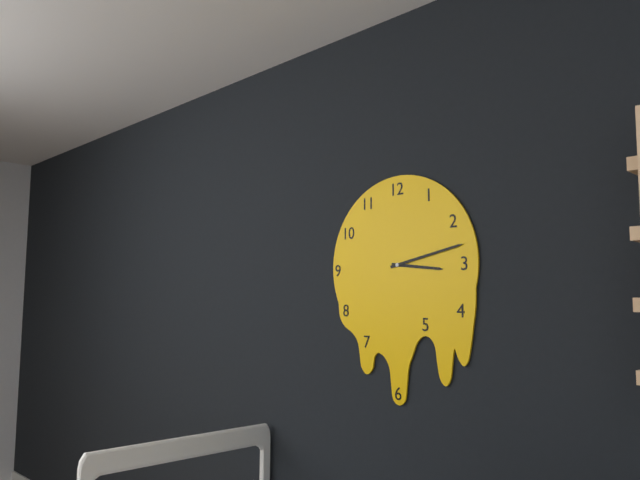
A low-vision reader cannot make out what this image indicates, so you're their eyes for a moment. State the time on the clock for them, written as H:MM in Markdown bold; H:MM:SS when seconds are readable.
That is **3:13**
